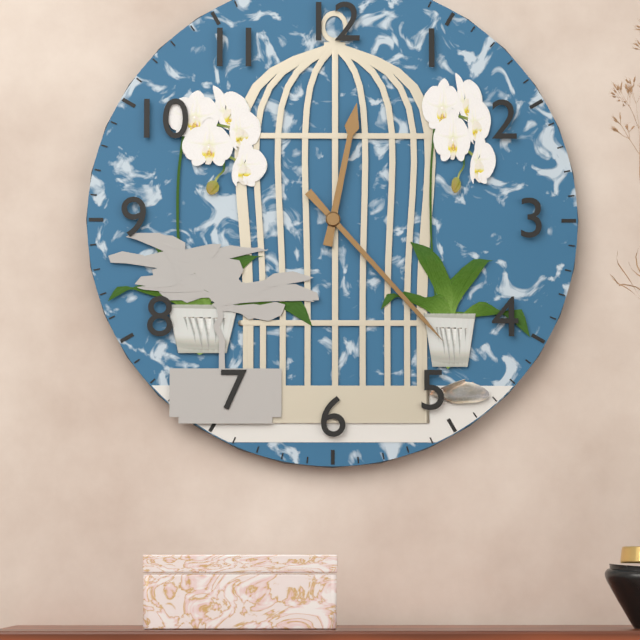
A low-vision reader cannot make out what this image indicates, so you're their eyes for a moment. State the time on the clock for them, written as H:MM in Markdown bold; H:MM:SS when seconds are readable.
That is **12:23**
